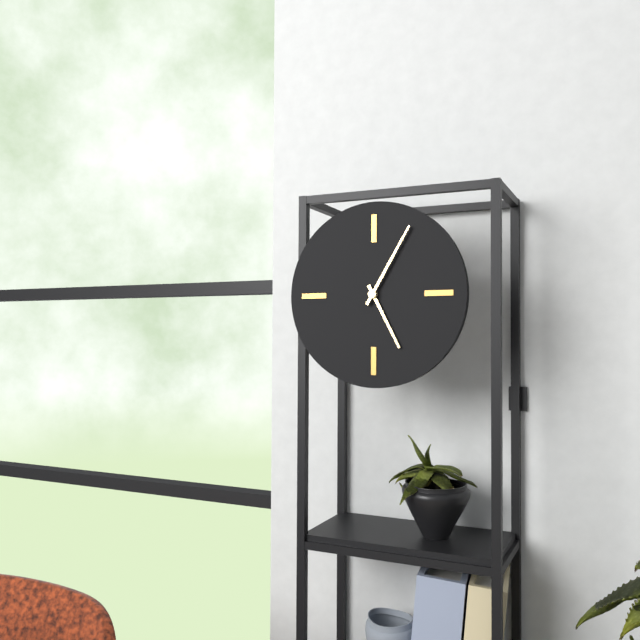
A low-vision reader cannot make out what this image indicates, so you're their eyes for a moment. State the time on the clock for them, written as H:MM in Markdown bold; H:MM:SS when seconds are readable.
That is **5:05**
